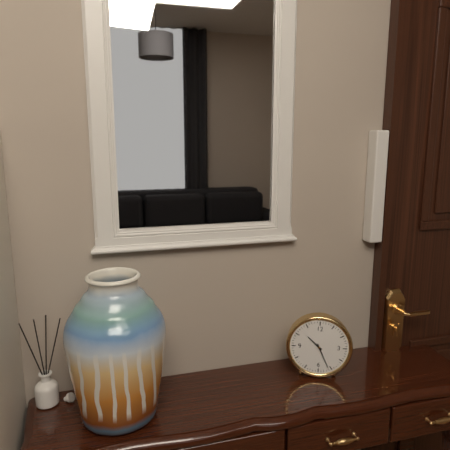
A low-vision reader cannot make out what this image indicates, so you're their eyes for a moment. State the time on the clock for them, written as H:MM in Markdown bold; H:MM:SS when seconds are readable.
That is **10:26**
